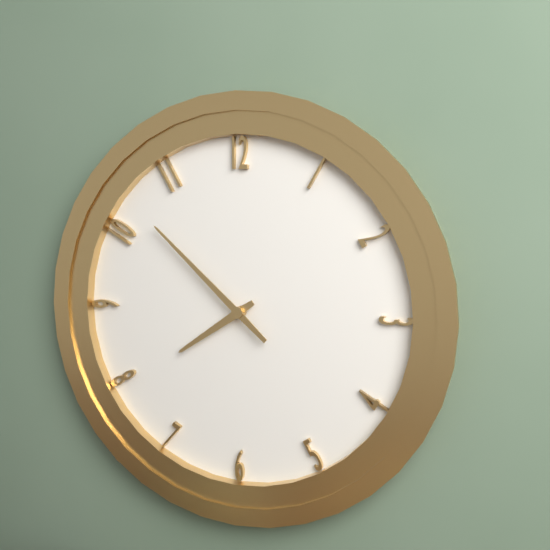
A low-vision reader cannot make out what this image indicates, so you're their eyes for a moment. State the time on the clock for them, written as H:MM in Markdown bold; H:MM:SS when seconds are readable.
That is **7:52**
